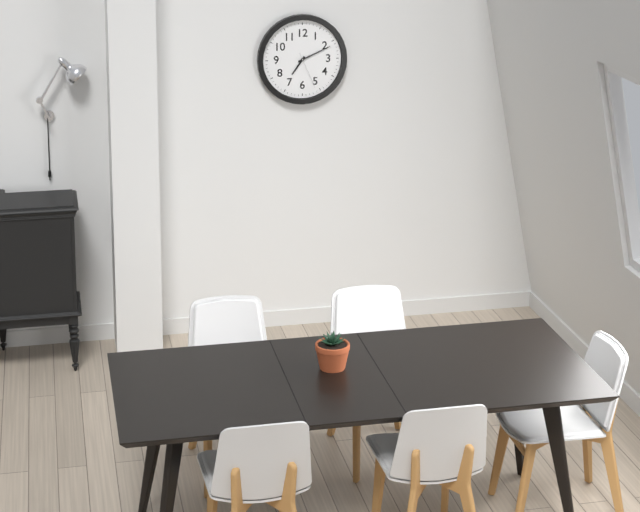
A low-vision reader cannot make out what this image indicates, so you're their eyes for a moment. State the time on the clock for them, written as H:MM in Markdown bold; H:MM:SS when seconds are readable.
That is **7:11**
